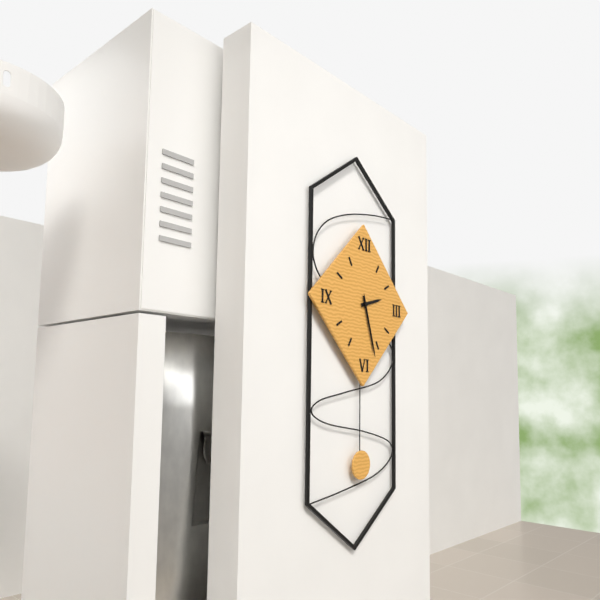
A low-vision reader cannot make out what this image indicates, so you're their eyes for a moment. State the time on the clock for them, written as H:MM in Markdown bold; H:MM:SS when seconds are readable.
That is **2:27:27**
